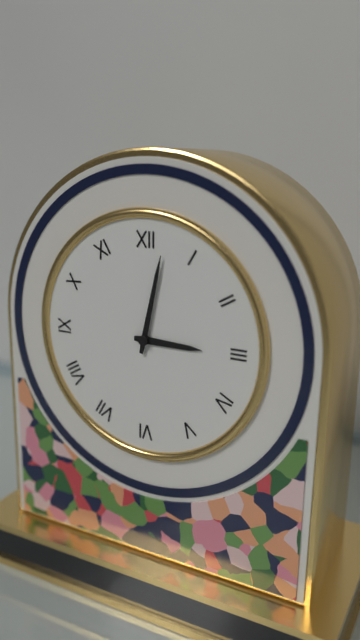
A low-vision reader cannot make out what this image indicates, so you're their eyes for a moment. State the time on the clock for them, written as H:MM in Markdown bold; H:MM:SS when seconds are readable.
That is **3:02**
